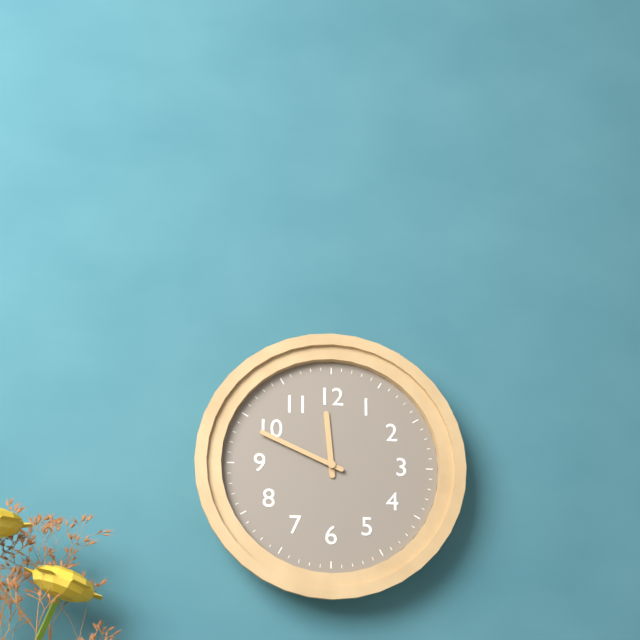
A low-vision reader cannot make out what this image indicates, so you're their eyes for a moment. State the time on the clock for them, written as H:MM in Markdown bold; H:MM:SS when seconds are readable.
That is **11:49**
